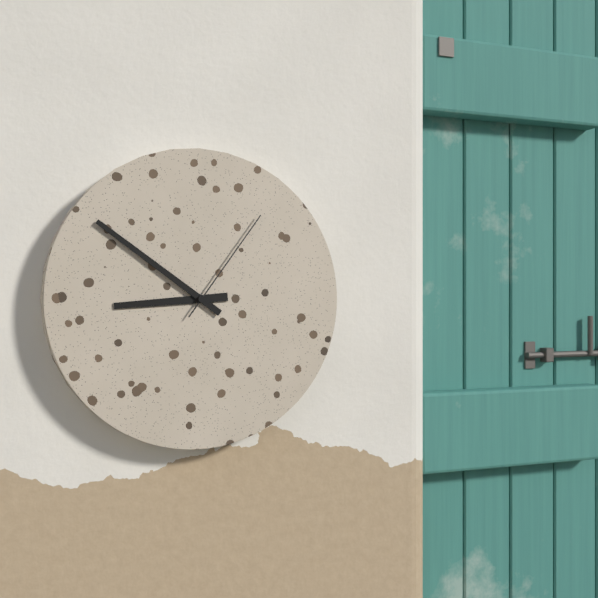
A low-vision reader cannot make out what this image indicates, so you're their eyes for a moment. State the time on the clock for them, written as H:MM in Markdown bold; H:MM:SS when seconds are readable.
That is **8:51:06**
